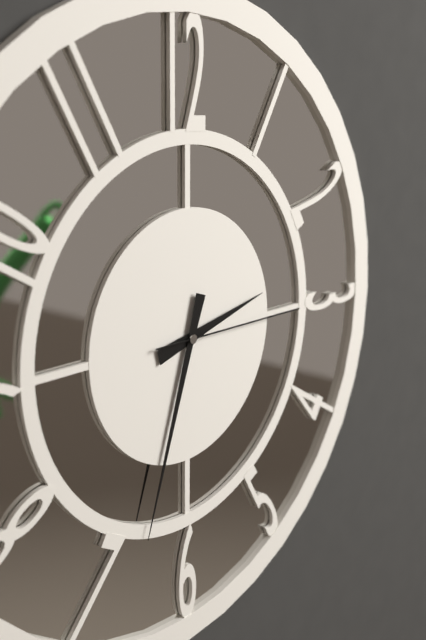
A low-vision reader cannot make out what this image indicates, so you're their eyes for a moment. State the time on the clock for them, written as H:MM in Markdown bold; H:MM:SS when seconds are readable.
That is **2:33:15**
